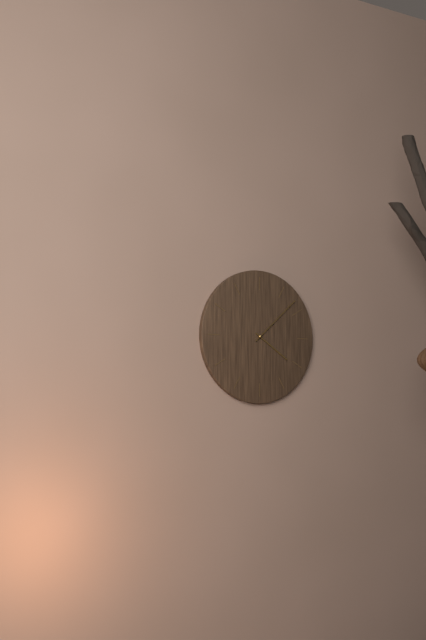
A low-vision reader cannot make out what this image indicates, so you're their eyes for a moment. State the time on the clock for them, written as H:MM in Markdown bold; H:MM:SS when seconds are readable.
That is **4:08**
